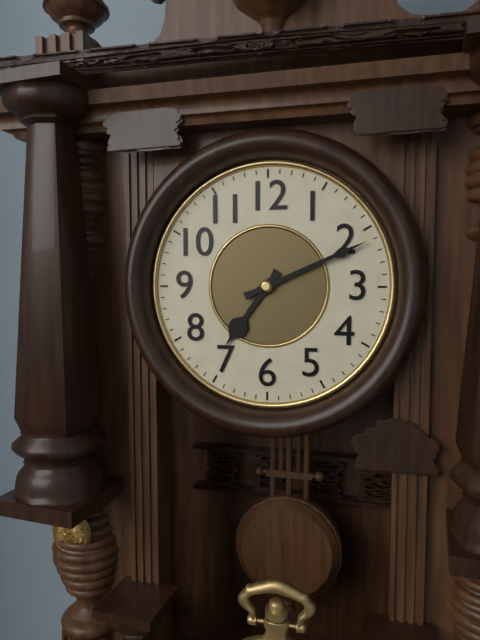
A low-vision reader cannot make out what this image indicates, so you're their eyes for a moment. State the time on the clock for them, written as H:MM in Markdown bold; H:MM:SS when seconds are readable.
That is **7:11**
